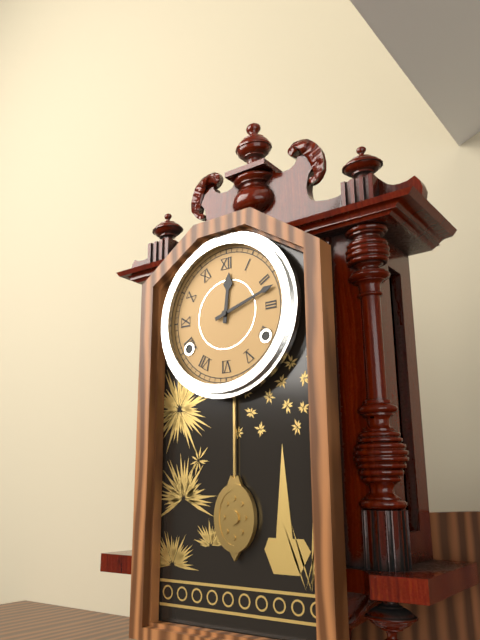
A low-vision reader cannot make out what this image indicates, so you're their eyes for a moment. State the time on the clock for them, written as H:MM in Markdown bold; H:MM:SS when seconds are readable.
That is **12:12**
